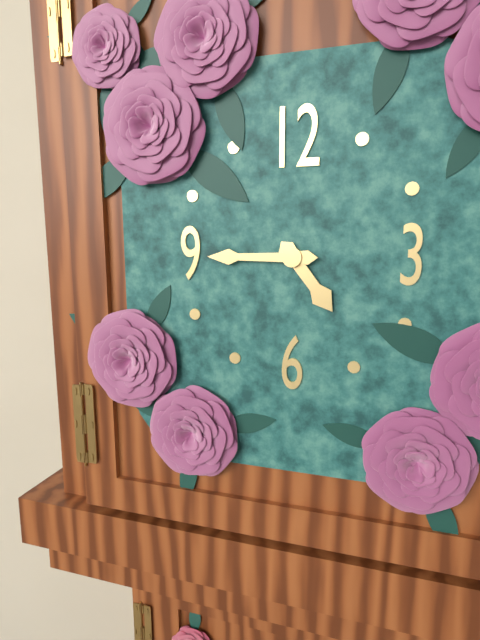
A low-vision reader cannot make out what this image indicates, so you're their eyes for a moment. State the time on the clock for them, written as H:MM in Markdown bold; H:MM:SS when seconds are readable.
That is **4:45**
